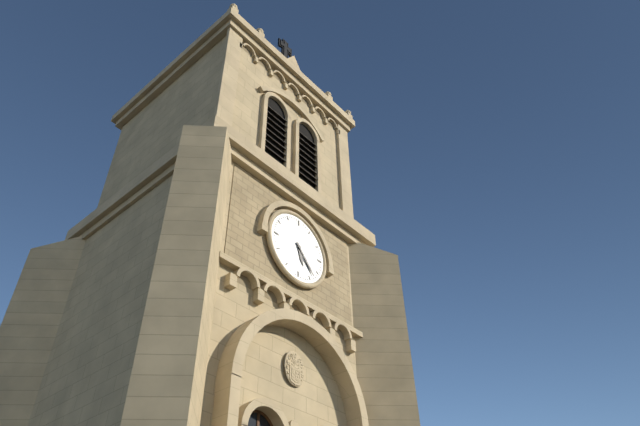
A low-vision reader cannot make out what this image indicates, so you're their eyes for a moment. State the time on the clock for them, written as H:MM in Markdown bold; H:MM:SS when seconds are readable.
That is **5:23**
